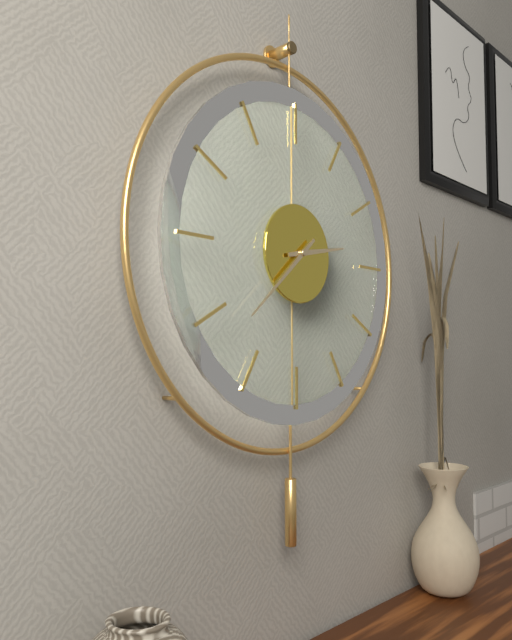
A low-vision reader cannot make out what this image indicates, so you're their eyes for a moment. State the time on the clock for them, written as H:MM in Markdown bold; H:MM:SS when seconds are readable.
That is **2:38**
